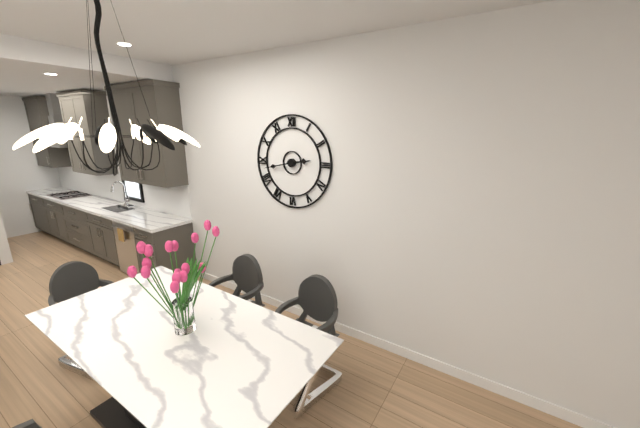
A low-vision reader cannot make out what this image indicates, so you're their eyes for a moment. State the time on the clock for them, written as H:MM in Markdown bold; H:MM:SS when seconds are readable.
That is **2:43**
